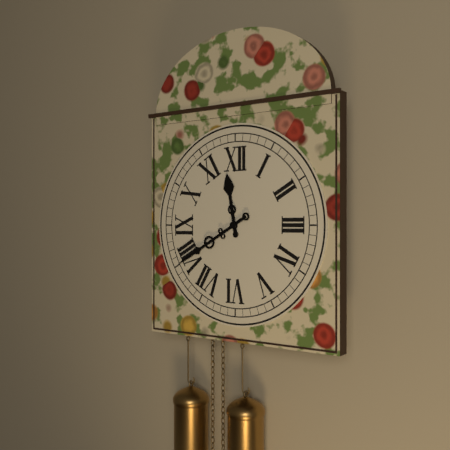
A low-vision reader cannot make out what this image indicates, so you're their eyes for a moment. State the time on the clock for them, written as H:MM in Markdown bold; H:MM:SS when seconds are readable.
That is **11:40**
